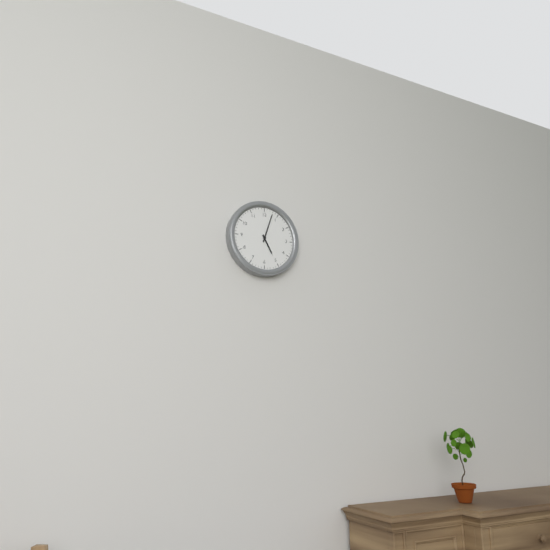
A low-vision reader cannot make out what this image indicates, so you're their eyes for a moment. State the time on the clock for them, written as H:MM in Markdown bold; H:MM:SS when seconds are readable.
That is **5:03**
